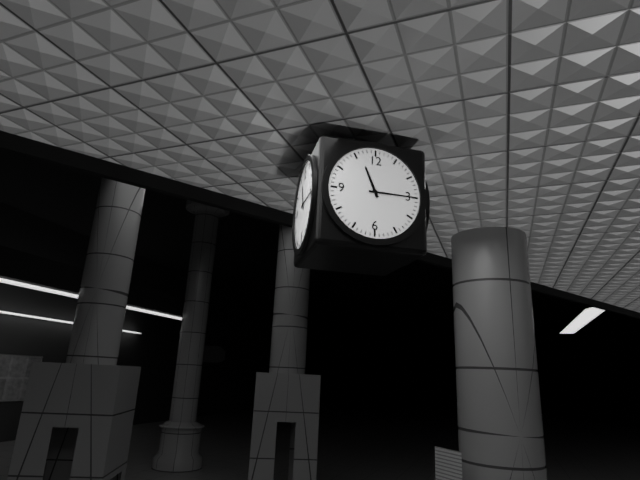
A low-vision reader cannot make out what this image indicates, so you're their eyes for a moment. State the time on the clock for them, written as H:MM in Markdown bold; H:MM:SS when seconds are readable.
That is **11:15**
